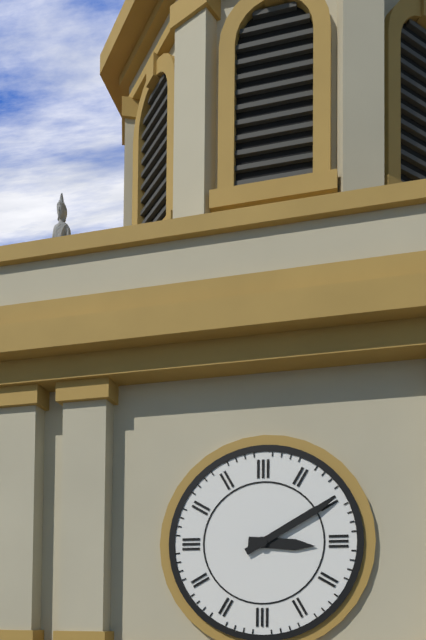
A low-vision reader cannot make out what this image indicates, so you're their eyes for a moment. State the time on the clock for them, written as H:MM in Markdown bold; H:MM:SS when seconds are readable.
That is **3:10**
